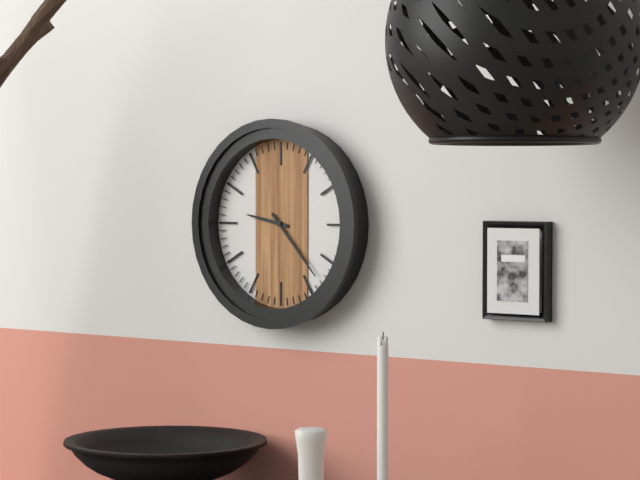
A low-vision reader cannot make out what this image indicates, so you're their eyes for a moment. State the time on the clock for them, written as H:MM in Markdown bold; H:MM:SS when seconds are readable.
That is **9:23**
